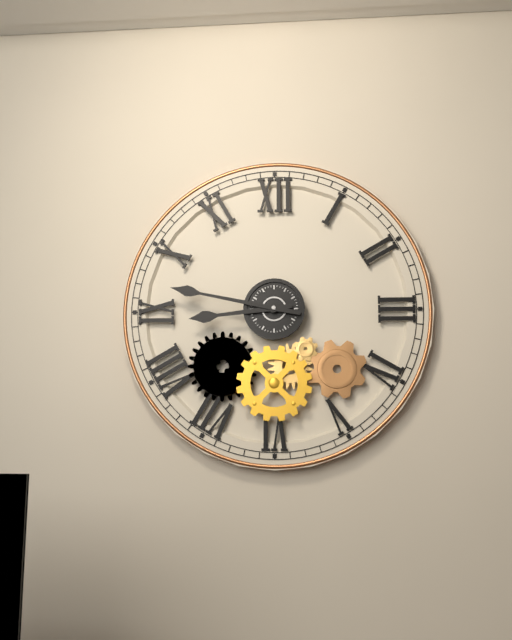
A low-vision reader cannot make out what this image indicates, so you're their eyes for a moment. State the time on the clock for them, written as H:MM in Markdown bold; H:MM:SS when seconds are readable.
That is **8:47**
